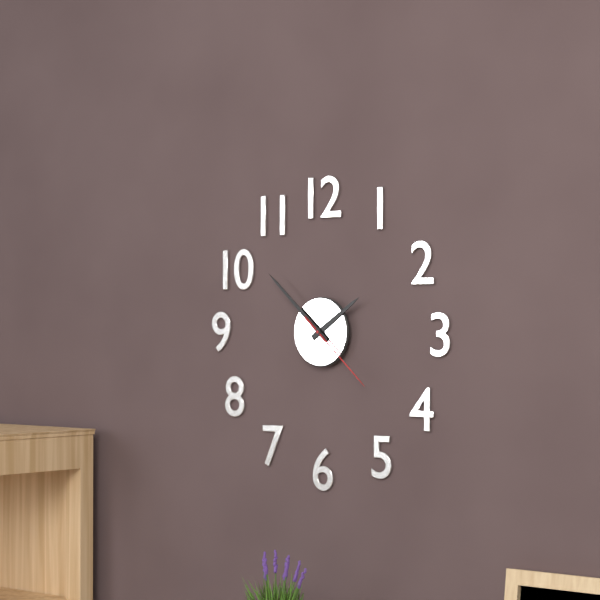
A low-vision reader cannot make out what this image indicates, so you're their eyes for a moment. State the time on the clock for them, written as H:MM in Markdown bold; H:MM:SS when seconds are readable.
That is **1:52:22**
